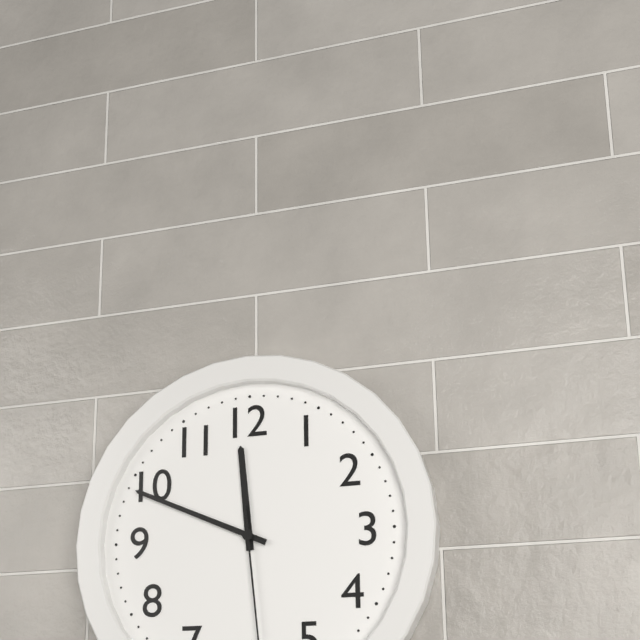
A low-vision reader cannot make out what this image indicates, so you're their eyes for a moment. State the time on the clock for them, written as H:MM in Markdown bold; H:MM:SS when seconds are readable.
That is **11:49**
